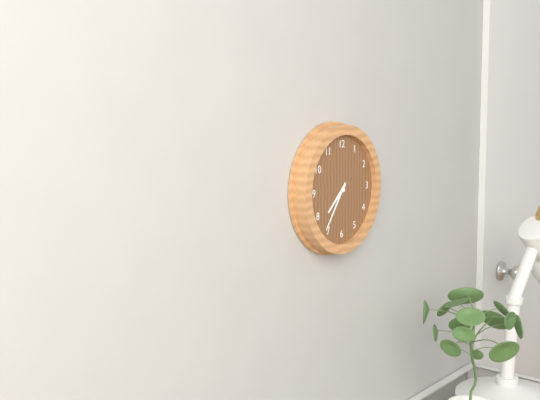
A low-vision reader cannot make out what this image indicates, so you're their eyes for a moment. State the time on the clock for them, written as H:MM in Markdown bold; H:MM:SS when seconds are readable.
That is **7:36**
